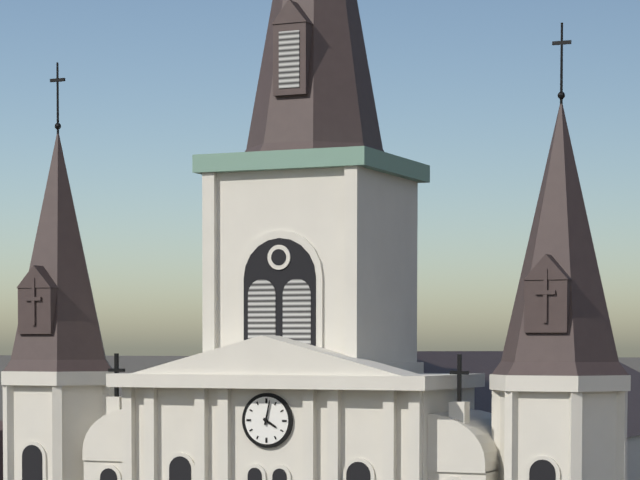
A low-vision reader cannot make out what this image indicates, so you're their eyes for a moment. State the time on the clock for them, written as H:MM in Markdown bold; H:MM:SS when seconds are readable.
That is **4:02**
